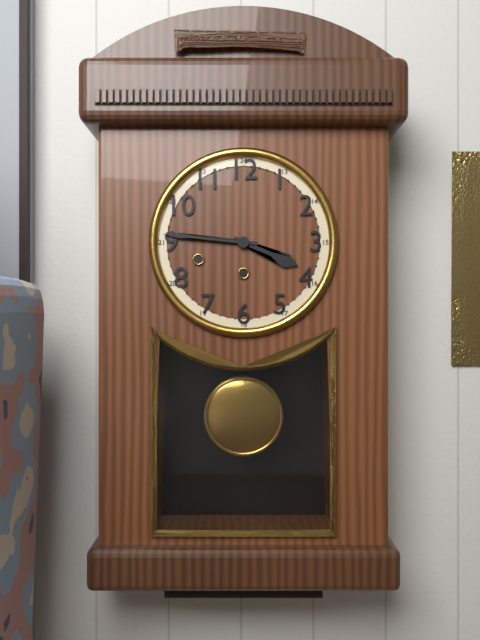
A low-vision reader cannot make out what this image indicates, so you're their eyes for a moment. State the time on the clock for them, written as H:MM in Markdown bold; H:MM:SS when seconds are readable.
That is **3:46**
